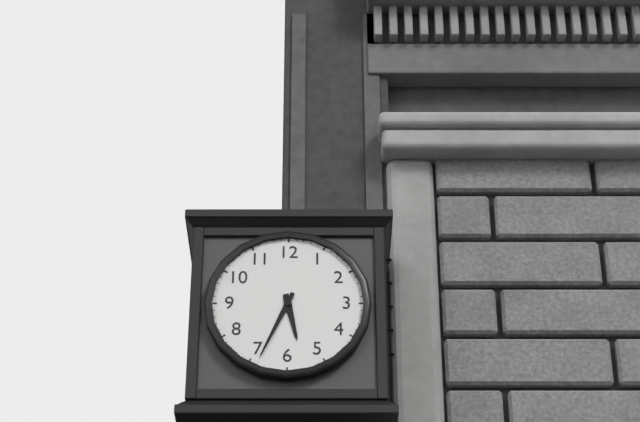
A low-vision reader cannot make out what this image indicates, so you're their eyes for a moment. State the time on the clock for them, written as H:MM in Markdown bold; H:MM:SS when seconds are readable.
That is **5:34**
